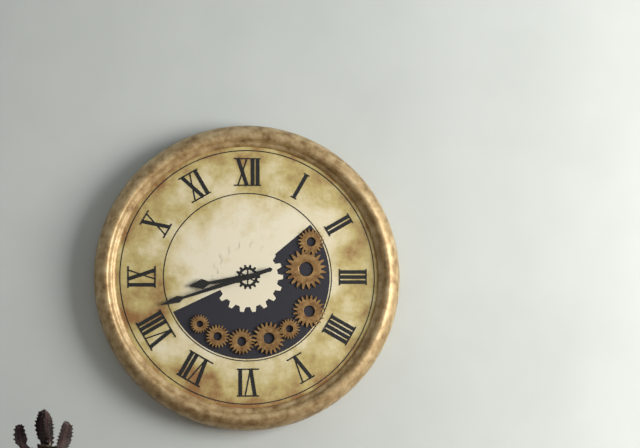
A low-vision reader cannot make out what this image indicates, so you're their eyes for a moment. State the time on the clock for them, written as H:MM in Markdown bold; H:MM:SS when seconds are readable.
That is **8:42**
